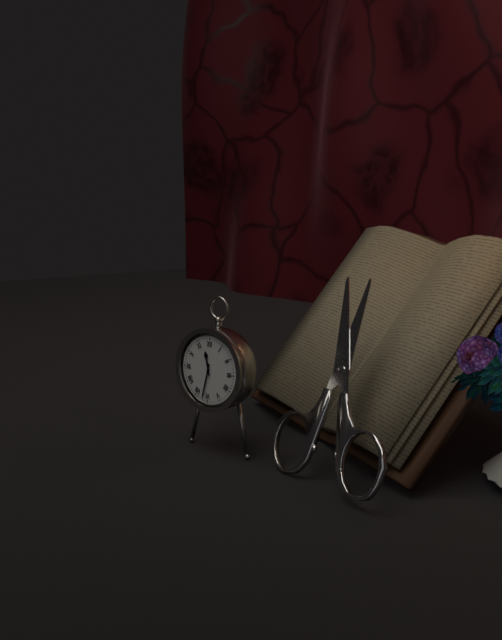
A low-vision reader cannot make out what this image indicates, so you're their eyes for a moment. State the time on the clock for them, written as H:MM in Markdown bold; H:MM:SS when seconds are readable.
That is **11:32**
